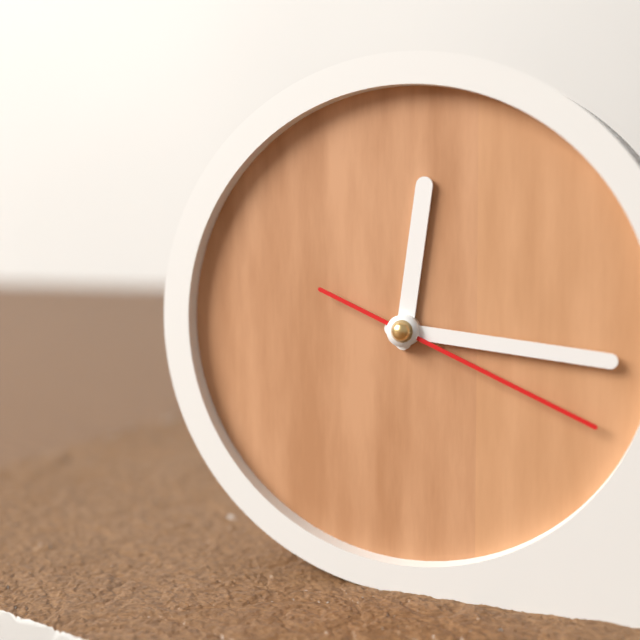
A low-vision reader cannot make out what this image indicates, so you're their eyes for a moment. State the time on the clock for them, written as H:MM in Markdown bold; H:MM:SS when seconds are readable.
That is **12:16:19**
